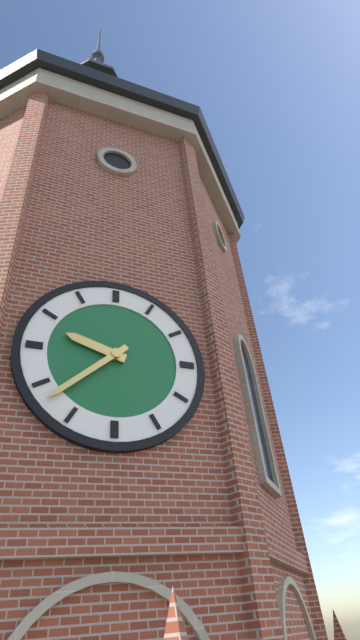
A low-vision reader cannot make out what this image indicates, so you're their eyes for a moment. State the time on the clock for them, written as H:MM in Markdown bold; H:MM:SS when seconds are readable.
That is **9:38**
